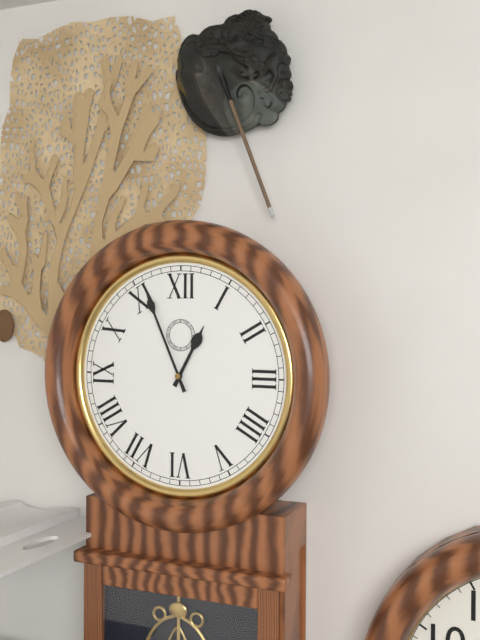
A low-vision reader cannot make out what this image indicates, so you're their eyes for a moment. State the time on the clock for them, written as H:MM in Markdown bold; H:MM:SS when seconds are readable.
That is **12:56**
